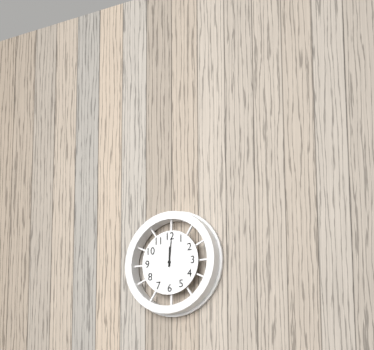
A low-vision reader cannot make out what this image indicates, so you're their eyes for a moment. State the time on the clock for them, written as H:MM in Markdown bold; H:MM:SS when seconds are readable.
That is **12:01**
